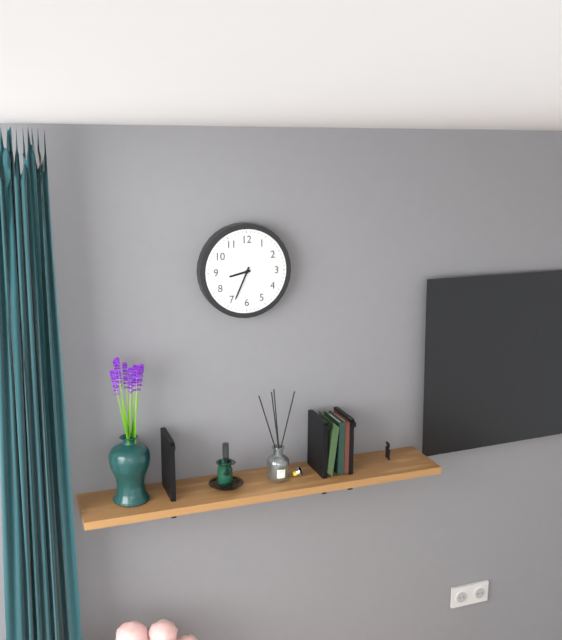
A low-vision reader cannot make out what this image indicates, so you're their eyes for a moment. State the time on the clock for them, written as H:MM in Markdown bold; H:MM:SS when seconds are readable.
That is **8:34**
